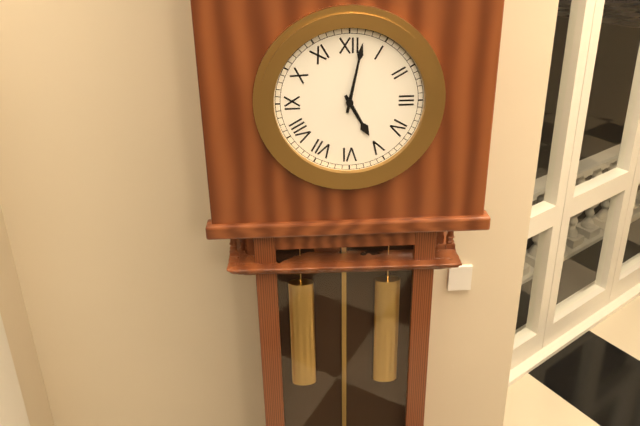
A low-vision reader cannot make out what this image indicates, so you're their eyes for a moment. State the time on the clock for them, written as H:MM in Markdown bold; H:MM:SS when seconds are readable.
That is **5:02**
